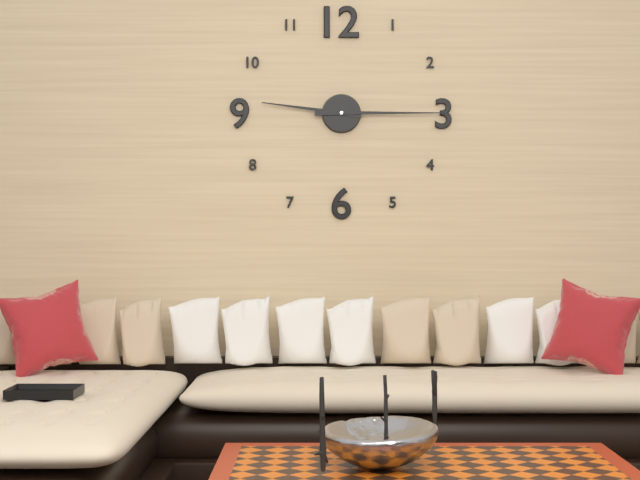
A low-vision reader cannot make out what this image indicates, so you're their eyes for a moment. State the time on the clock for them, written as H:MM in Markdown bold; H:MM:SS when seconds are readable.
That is **9:15**
